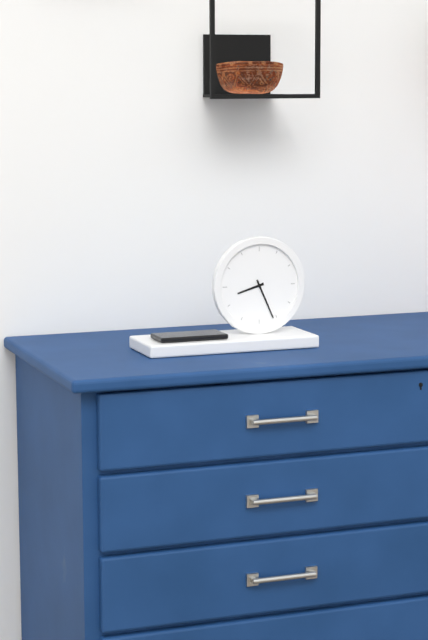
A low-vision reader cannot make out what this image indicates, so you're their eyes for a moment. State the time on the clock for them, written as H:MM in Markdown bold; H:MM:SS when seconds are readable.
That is **8:26**
